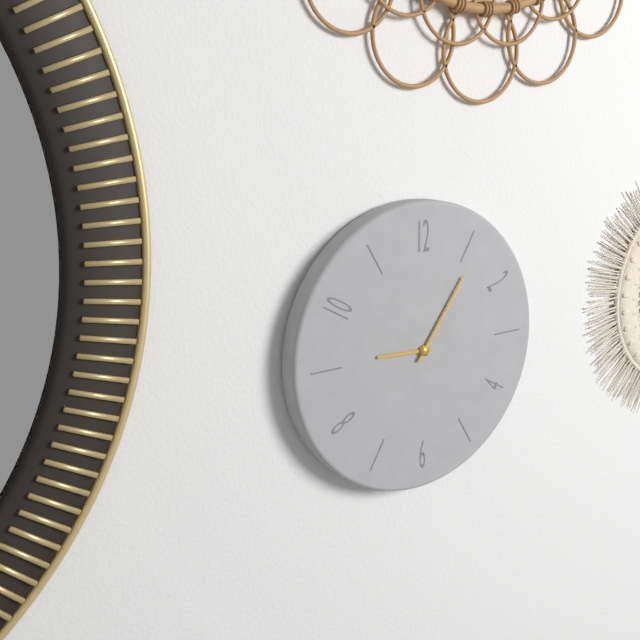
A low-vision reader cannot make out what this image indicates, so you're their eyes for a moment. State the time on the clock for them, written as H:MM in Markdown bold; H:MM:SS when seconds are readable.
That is **9:06**
